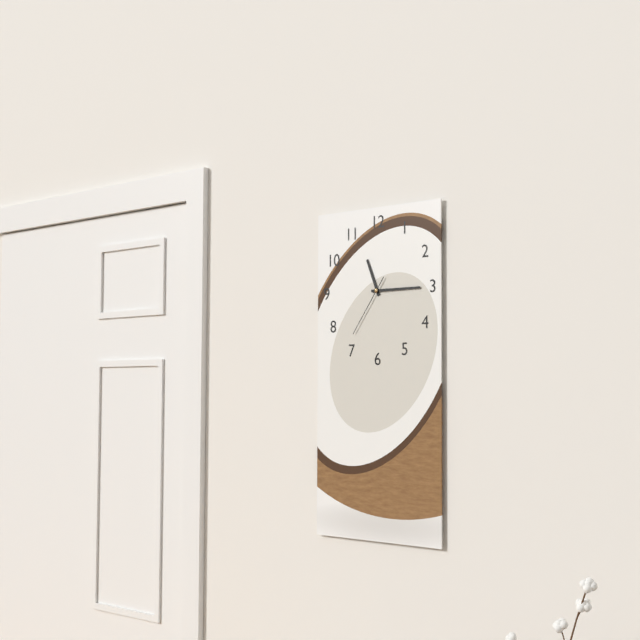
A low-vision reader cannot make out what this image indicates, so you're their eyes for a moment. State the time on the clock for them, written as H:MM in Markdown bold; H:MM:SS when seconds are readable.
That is **11:15:36**
